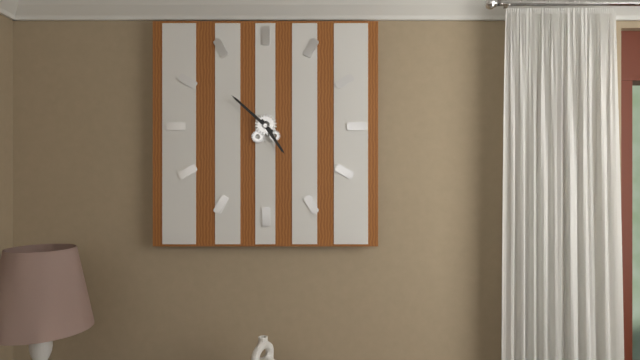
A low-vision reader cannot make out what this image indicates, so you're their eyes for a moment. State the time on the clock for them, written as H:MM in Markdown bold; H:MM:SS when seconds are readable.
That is **4:52**
